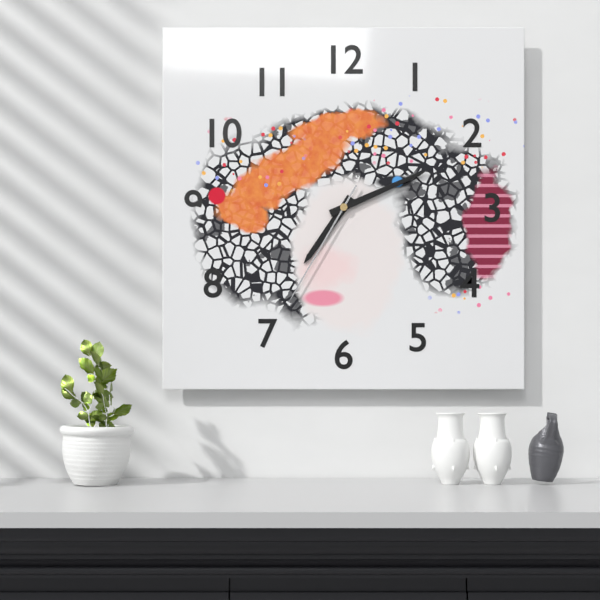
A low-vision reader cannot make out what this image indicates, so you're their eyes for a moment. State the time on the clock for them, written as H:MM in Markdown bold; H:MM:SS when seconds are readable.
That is **7:11:35**
